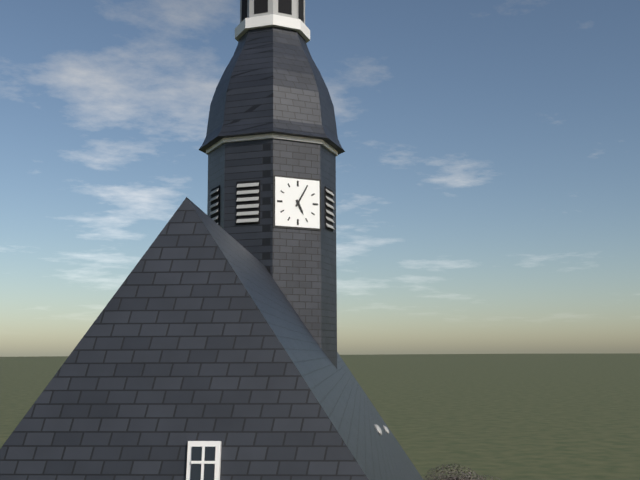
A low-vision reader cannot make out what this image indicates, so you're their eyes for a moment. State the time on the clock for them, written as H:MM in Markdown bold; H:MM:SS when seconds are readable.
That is **5:05**
